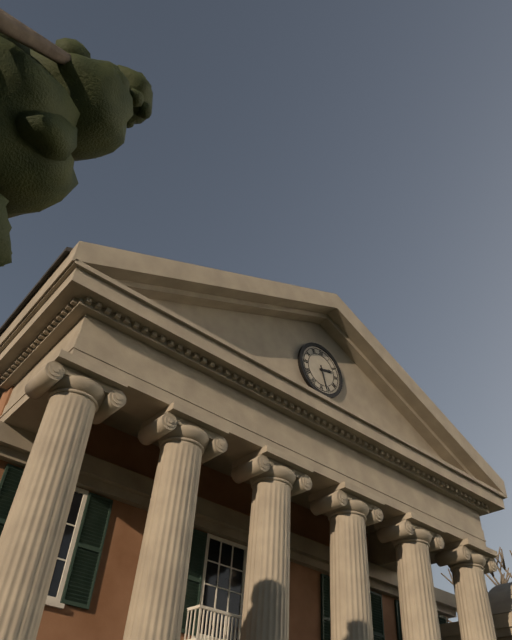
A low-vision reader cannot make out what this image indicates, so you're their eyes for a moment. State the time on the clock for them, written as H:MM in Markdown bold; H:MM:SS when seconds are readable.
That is **2:27**
